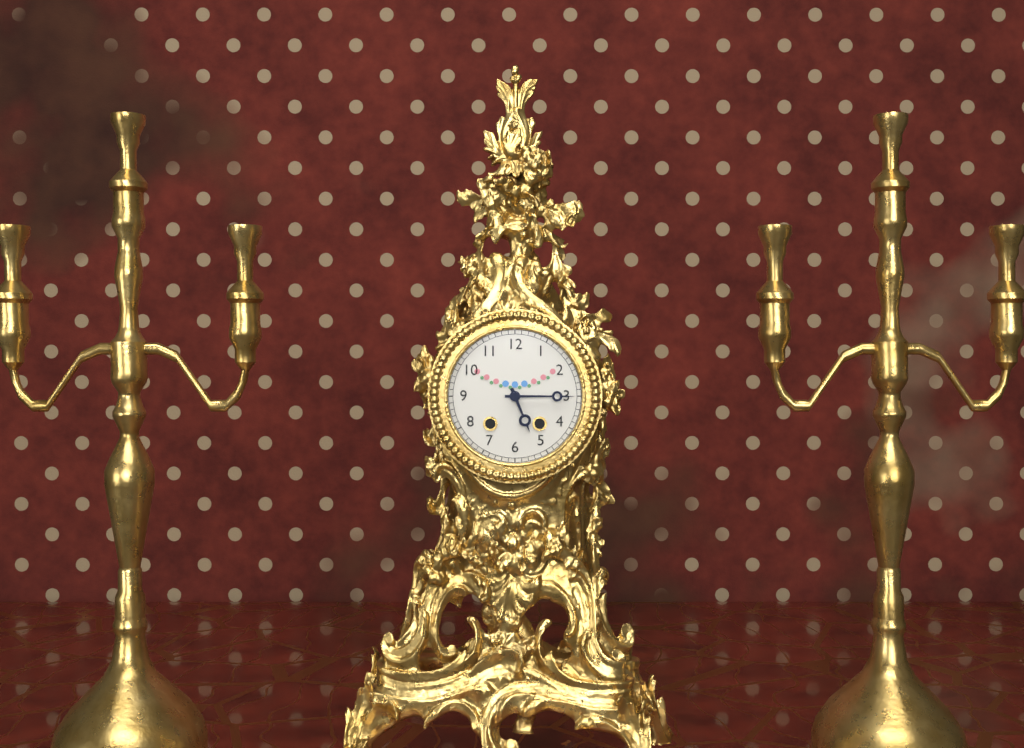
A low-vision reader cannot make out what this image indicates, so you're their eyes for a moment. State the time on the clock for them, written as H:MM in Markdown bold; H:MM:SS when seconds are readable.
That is **5:15**
